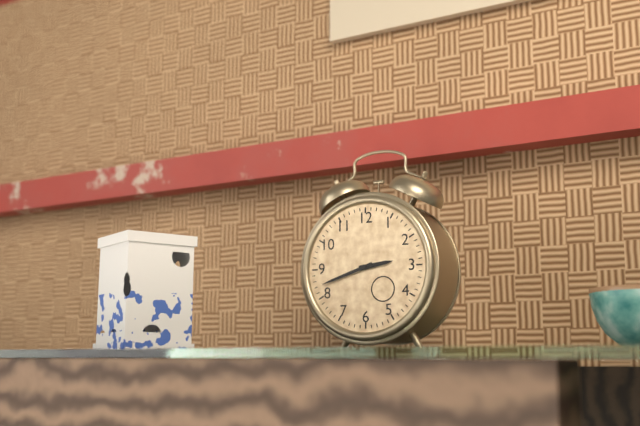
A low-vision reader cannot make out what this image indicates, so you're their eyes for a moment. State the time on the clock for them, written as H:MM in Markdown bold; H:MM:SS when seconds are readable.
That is **2:42**
